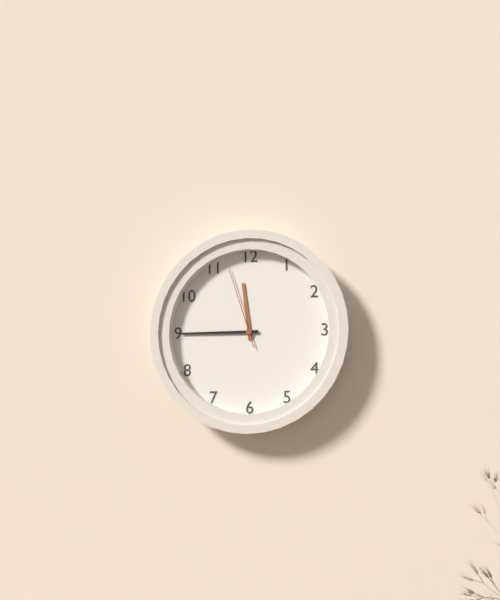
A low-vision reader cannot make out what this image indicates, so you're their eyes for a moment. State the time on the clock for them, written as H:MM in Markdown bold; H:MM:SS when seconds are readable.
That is **11:45:57**
